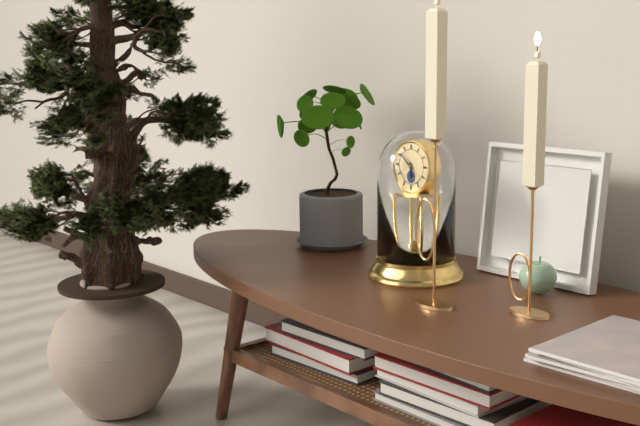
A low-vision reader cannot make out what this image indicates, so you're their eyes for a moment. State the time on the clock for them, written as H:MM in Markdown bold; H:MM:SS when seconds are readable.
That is **5:52**
